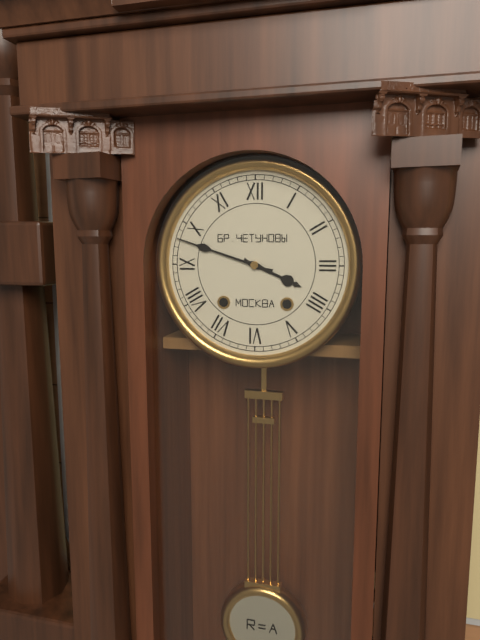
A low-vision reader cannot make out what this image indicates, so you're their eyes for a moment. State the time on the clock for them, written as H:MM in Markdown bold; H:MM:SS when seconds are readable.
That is **3:48**
